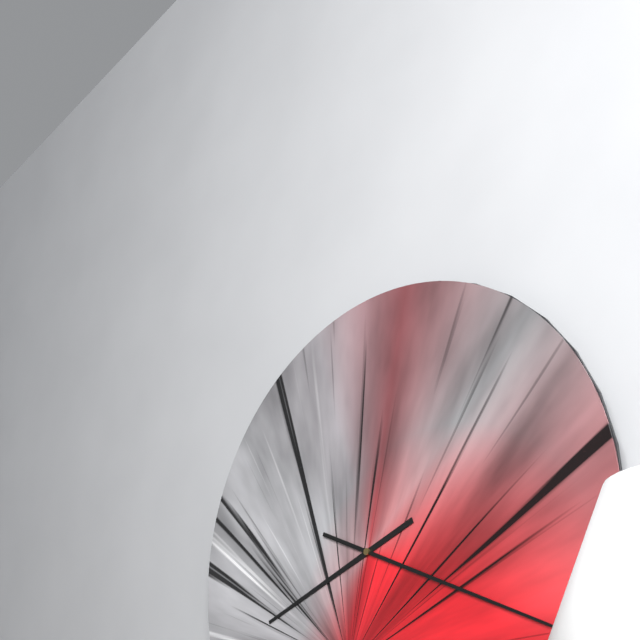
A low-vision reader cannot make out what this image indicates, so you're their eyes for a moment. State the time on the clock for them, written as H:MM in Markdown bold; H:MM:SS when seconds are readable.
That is **8:19**
